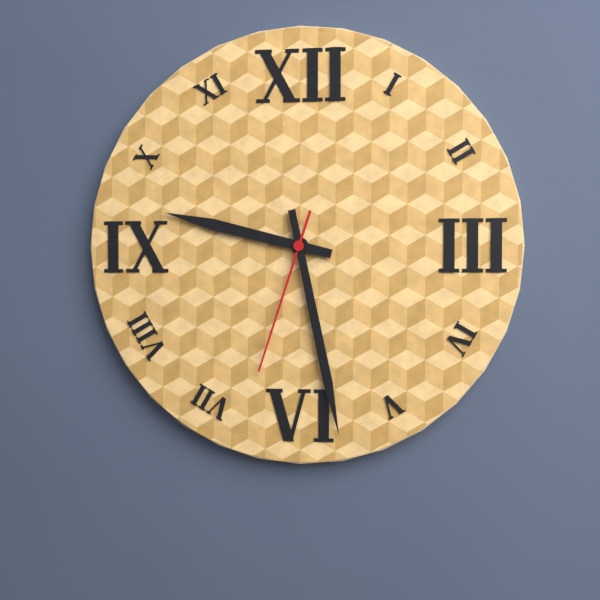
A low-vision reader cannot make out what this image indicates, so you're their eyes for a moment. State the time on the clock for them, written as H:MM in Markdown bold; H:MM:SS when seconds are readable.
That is **9:28:33**
